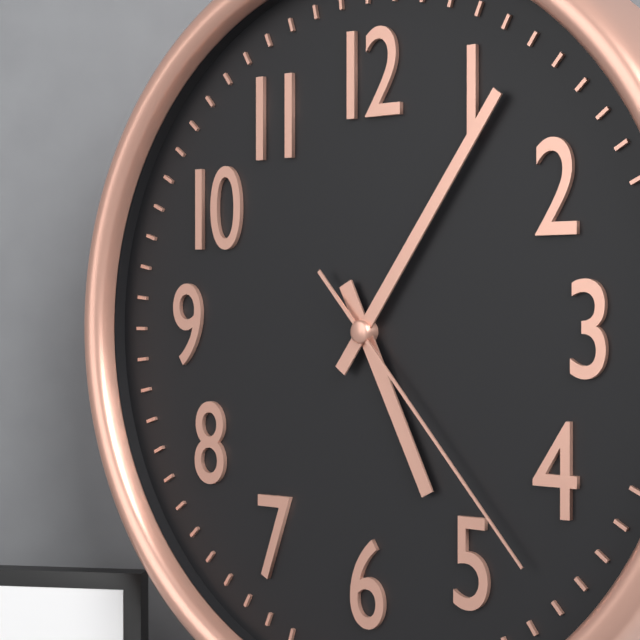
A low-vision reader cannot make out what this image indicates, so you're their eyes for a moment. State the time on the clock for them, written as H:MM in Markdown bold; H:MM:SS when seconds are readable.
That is **5:06:23**
